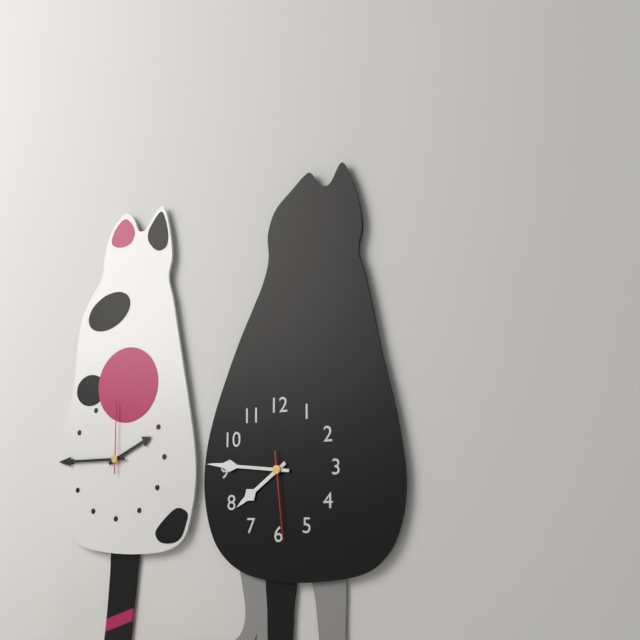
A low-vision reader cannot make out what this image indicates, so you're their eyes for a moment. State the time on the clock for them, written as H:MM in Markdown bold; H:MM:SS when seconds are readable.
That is **7:46:29**
